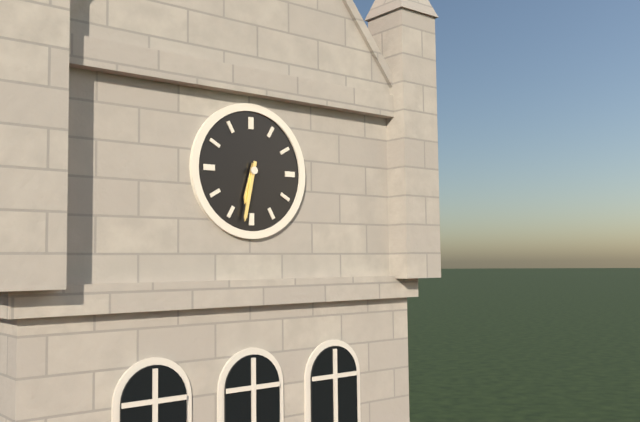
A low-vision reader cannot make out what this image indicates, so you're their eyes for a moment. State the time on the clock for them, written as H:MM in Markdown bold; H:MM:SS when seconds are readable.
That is **6:32**
